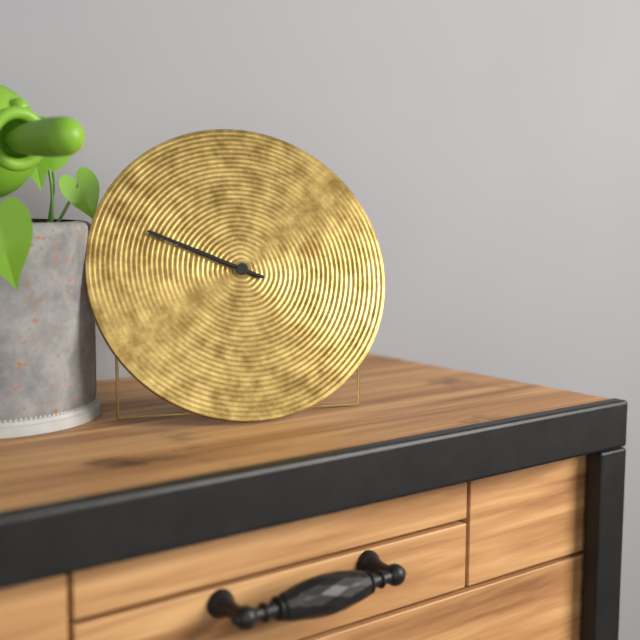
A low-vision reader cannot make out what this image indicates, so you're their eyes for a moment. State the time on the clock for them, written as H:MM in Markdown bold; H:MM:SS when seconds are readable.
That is **9:49**
